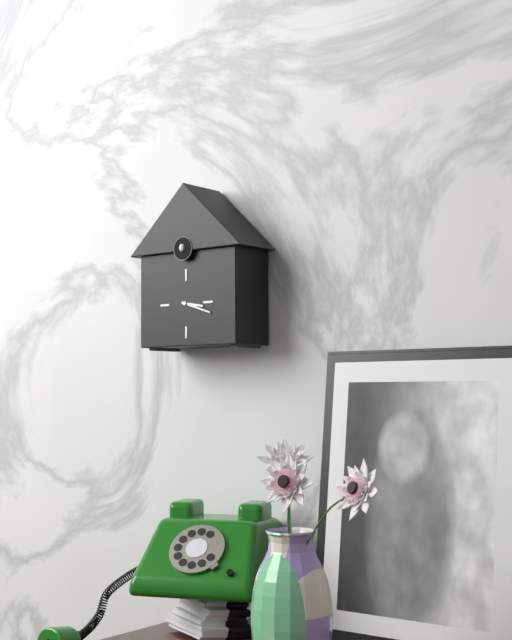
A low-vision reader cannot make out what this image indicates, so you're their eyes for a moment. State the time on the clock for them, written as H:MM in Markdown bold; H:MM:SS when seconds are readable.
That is **3:18**
